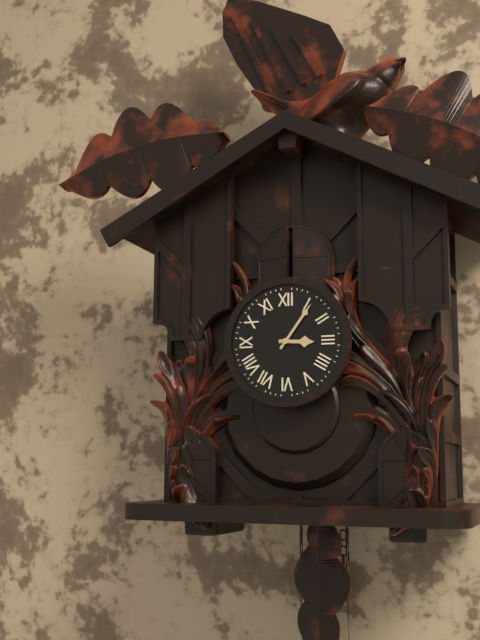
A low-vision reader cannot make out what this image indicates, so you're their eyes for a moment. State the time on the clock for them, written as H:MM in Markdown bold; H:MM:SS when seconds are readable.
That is **3:06**
